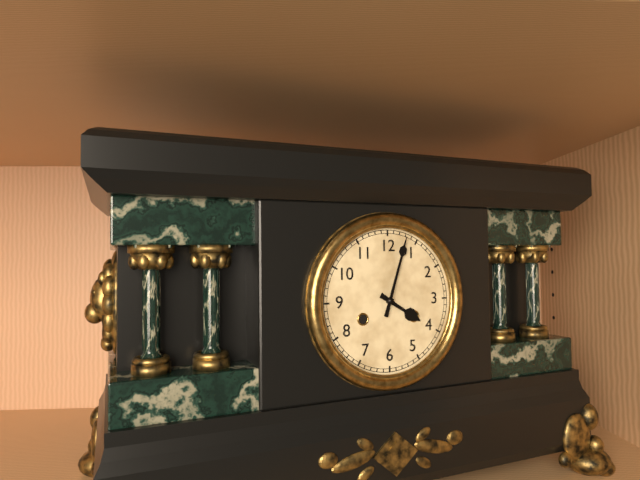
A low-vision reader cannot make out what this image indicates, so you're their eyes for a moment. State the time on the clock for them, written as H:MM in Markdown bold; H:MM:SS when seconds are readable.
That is **4:03**
